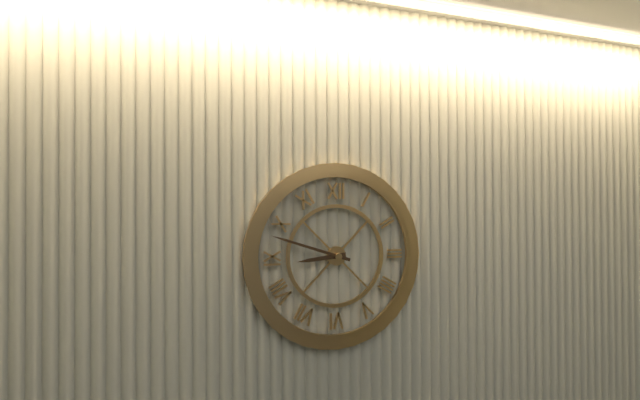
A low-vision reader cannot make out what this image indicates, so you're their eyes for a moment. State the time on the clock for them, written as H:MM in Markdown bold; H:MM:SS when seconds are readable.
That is **8:48**
